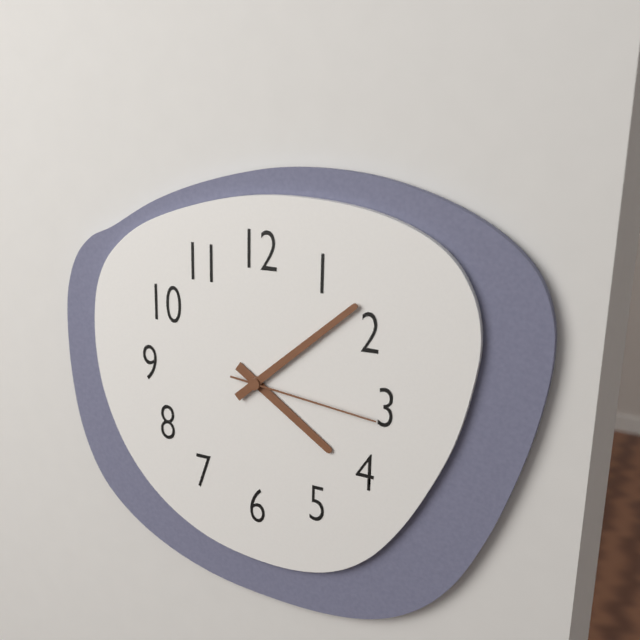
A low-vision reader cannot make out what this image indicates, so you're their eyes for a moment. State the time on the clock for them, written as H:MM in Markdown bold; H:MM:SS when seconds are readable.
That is **4:08:16**
